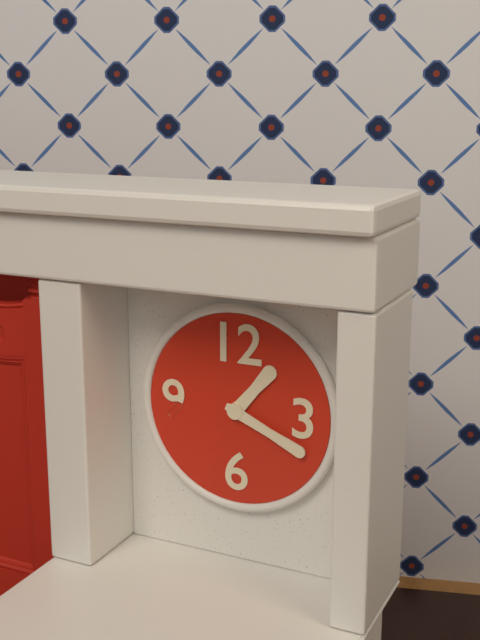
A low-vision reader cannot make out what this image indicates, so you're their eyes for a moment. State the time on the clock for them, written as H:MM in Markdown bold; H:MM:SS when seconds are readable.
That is **1:19**
